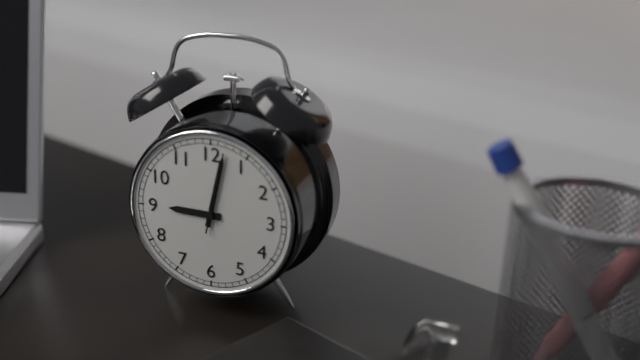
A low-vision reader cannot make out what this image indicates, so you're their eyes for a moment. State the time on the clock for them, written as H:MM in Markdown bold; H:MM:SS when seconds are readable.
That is **9:02:02**
